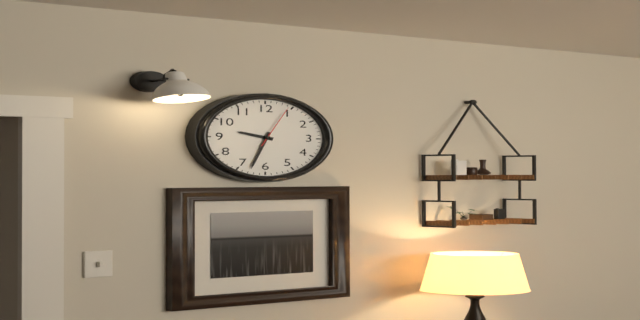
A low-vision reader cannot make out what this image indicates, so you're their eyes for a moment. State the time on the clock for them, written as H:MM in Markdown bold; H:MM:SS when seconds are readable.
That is **9:33**
